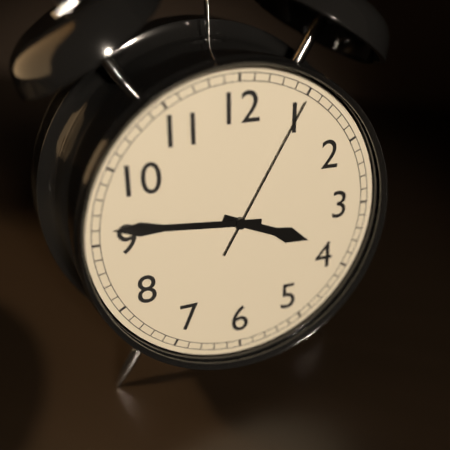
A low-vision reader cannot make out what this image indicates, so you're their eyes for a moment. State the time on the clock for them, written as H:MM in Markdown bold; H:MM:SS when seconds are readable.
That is **3:46:05**
